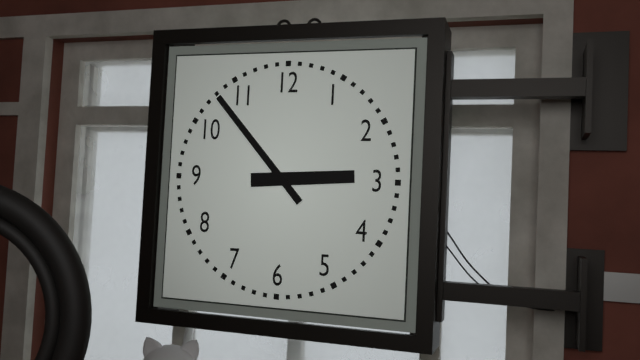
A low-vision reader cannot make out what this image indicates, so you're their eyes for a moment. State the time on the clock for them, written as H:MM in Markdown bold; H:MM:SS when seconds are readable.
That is **2:53**
